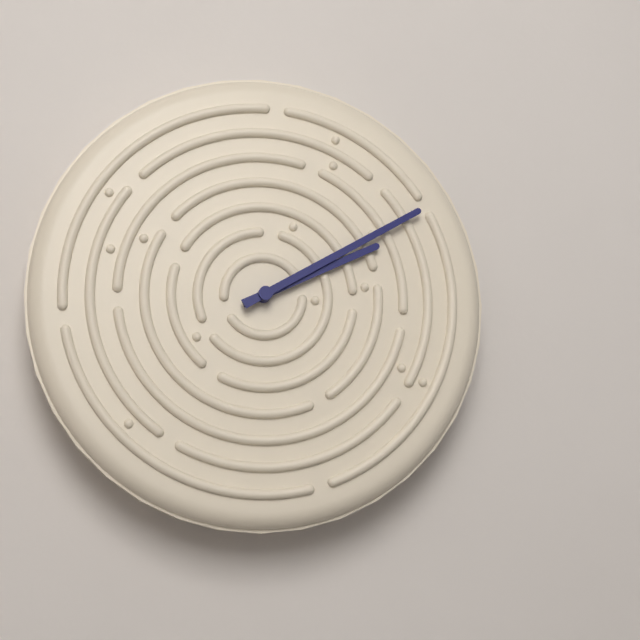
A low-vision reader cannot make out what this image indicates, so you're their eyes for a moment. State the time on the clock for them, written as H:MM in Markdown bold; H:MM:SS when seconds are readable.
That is **2:10**
